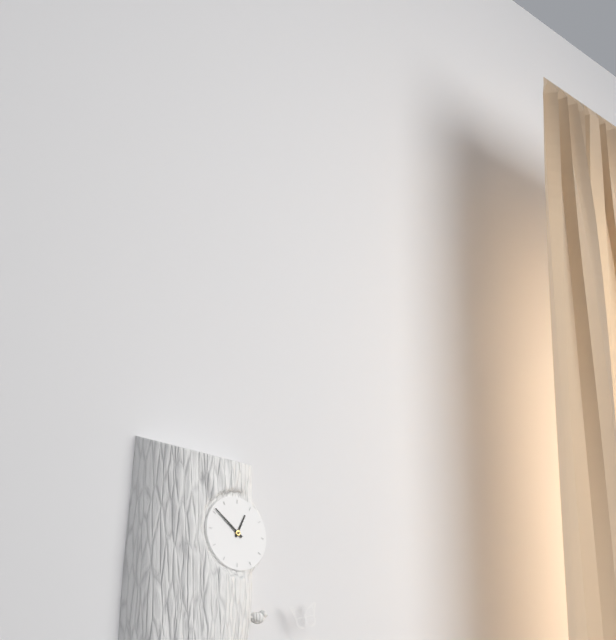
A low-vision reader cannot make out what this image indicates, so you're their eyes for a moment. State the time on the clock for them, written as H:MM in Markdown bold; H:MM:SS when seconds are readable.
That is **12:51**
